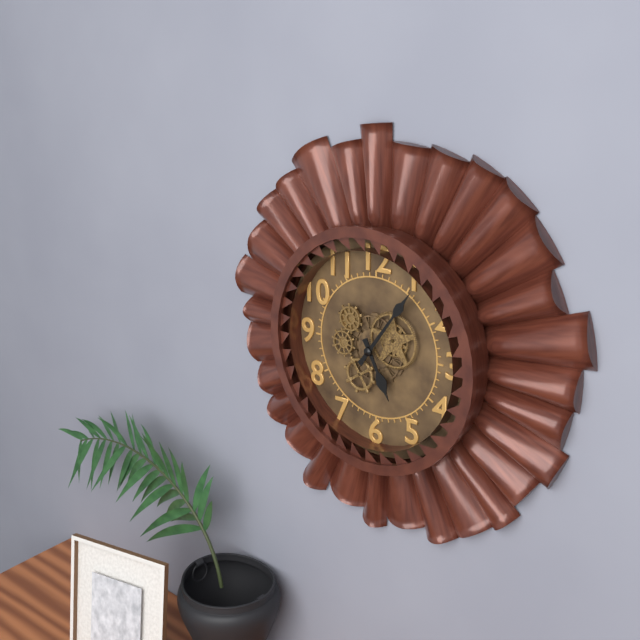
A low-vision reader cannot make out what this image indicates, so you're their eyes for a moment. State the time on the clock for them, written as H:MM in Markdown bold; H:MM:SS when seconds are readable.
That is **5:06**
